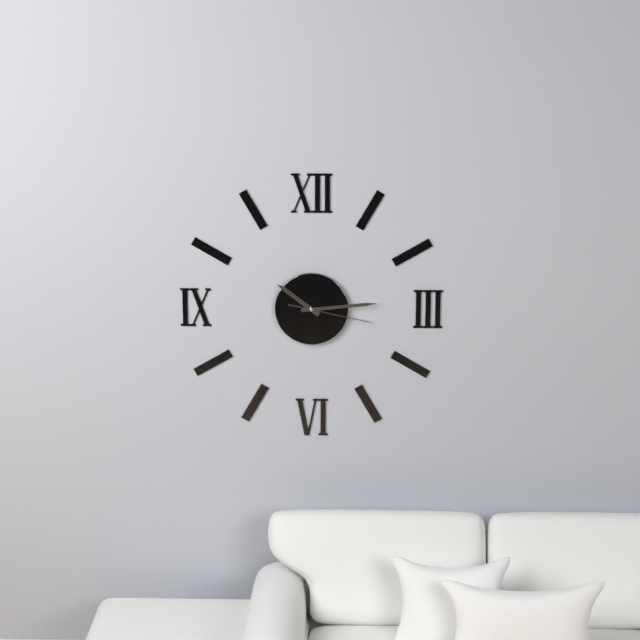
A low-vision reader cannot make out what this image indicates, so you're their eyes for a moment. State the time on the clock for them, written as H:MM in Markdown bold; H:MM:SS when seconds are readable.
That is **10:14:17**
